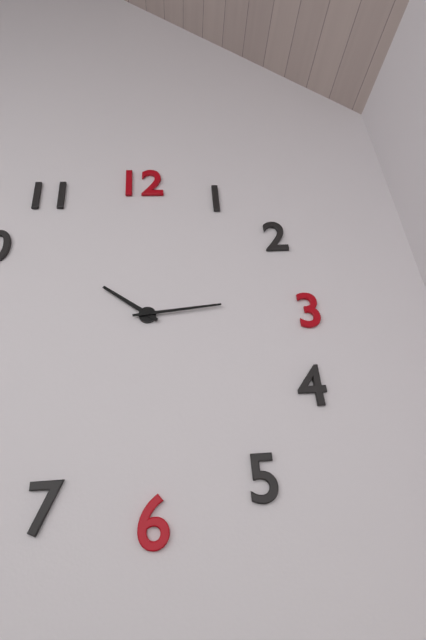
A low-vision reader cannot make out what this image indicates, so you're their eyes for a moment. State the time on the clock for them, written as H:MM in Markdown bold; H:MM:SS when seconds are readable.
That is **10:14**
